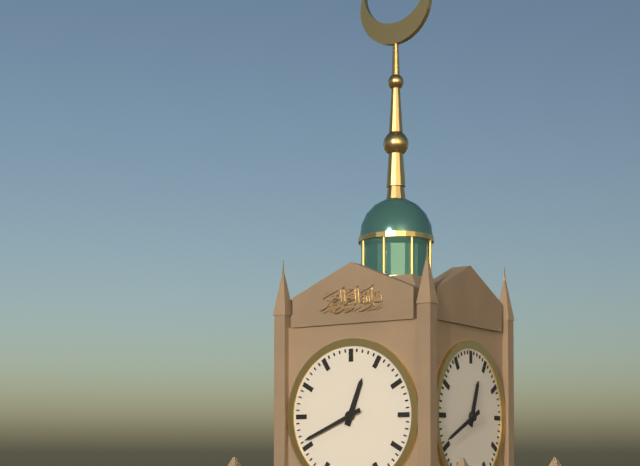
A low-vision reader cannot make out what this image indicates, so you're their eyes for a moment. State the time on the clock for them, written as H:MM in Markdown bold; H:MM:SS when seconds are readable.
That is **12:41**
